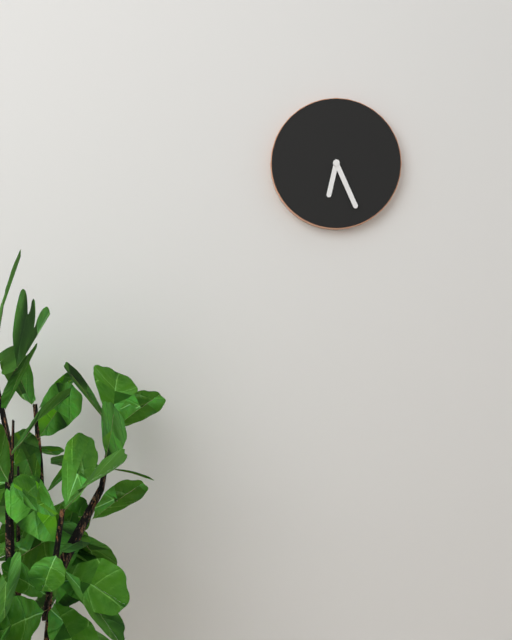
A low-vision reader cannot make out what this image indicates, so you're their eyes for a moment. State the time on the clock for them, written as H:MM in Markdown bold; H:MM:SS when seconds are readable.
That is **6:26**
